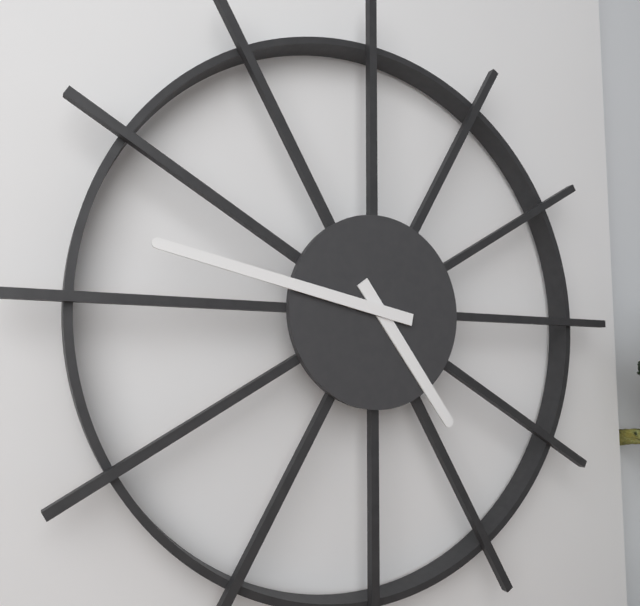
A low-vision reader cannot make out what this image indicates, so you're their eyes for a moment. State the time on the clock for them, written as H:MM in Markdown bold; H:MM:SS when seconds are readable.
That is **4:47**
